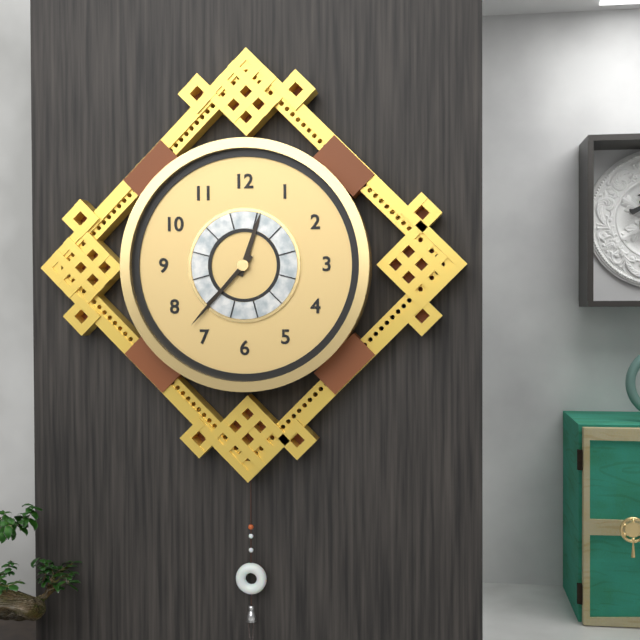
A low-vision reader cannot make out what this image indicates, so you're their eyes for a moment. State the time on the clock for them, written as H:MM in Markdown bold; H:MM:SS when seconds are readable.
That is **12:37**
